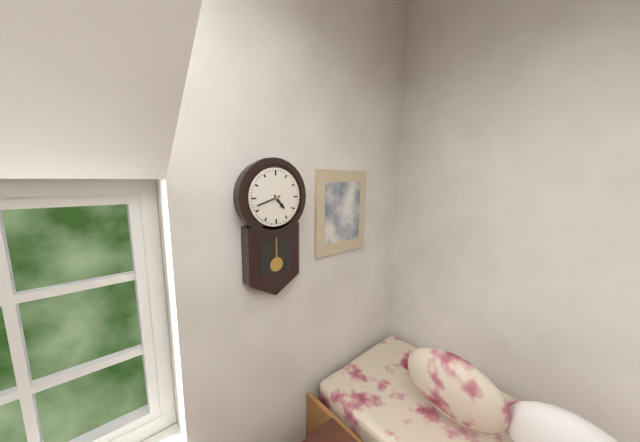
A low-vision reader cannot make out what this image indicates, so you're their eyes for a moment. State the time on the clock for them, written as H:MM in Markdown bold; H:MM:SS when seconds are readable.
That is **4:42**
